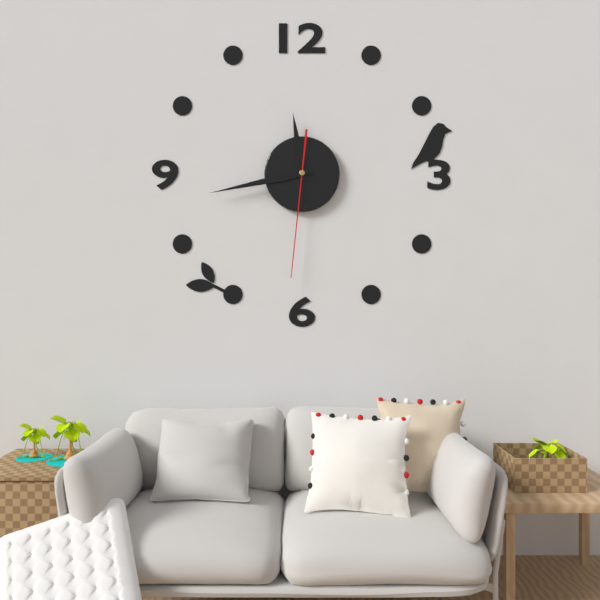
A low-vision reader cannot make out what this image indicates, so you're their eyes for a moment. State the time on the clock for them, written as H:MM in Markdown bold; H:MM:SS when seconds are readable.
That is **11:43:31**
